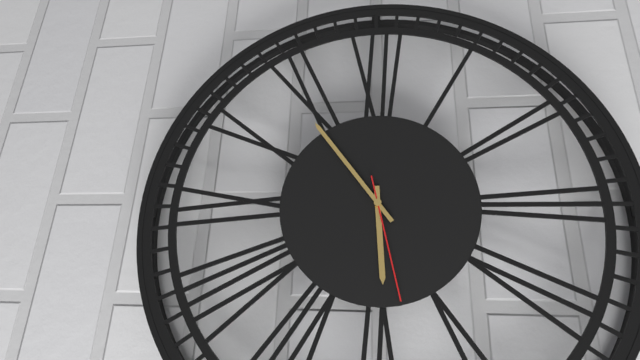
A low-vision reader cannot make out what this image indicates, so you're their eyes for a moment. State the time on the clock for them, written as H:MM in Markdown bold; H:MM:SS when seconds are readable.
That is **5:54:28**
